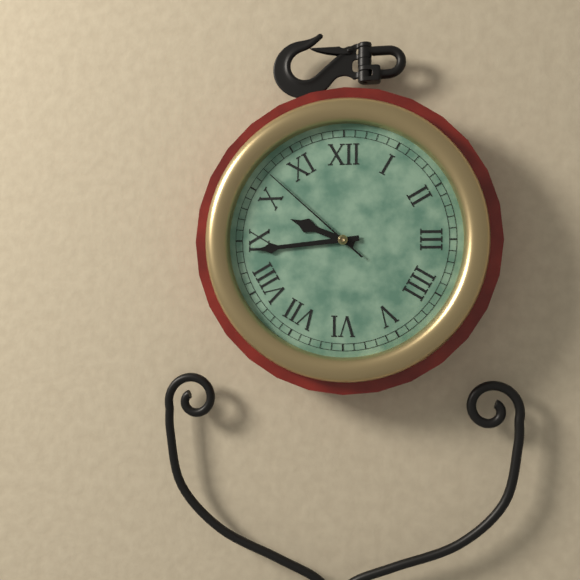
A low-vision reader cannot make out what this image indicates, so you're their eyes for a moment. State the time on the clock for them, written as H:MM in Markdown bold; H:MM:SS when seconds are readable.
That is **9:44:52**
